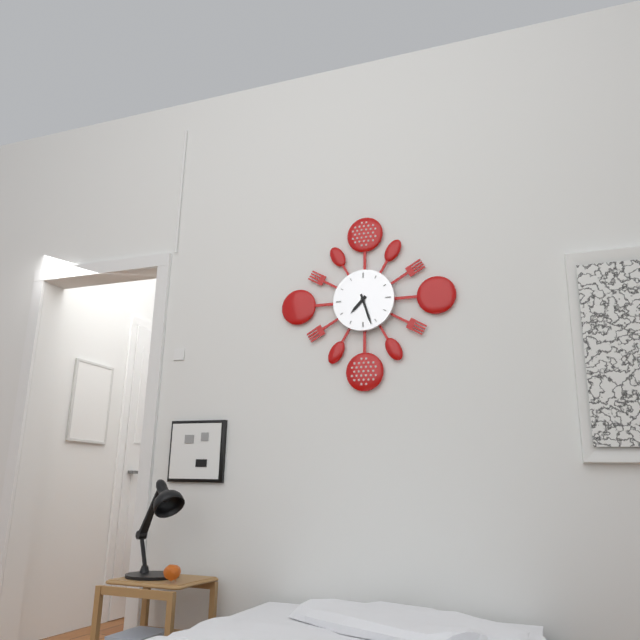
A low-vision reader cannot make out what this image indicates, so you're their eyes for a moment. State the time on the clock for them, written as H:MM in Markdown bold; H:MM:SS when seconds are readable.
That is **7:27**
